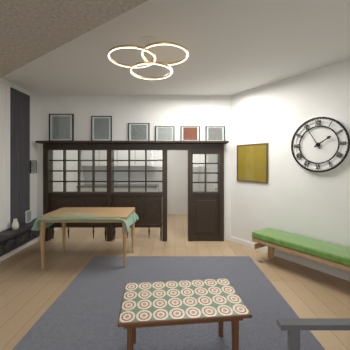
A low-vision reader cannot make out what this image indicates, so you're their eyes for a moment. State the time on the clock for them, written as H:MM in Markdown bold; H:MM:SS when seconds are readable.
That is **1:55**
